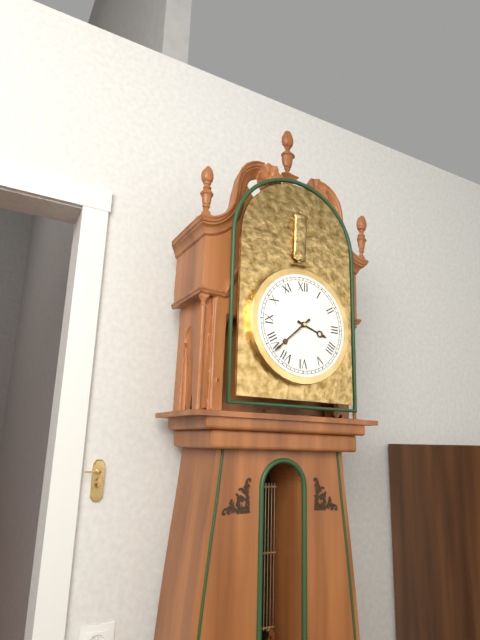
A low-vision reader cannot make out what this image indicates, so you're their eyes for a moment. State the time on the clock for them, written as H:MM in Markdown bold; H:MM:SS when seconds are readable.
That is **3:38**
